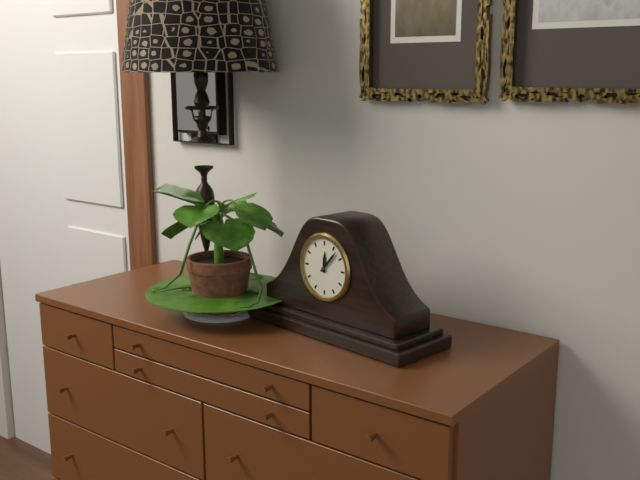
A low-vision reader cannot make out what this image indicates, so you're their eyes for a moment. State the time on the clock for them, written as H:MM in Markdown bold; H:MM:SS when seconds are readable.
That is **12:07**
